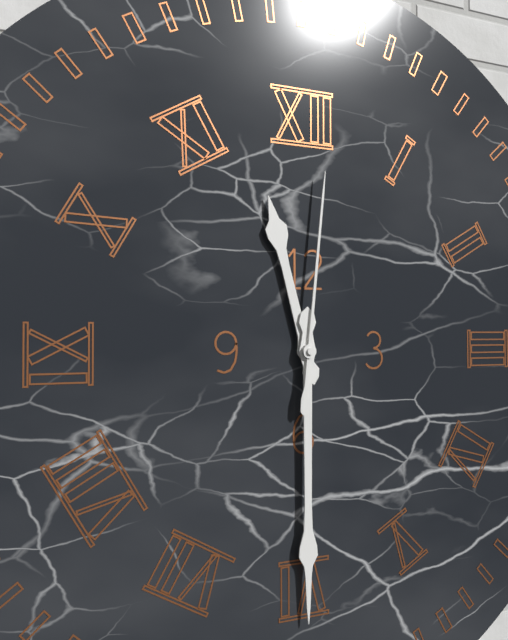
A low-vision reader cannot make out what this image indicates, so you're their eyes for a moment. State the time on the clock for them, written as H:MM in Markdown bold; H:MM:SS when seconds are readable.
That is **11:30:01**
